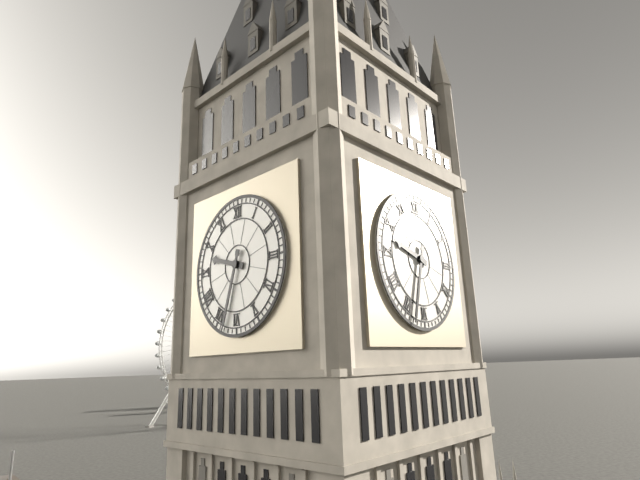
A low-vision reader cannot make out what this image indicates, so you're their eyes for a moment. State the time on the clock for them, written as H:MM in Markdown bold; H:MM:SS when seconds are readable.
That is **9:33**
